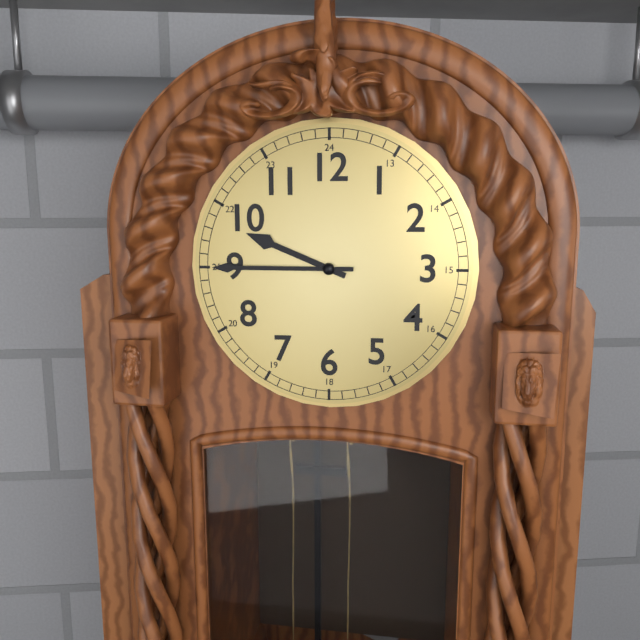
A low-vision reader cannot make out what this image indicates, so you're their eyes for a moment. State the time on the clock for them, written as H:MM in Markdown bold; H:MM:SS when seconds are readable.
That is **9:45**
